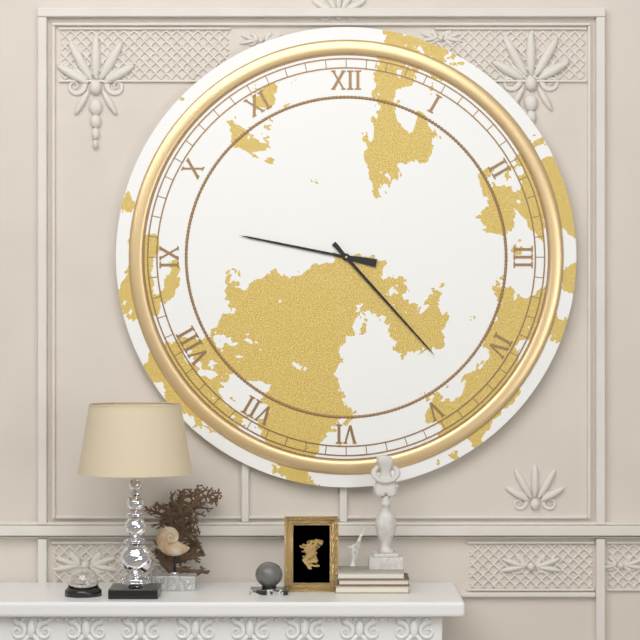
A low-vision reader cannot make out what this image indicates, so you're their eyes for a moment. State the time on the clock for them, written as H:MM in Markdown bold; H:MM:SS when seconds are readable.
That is **9:23**
